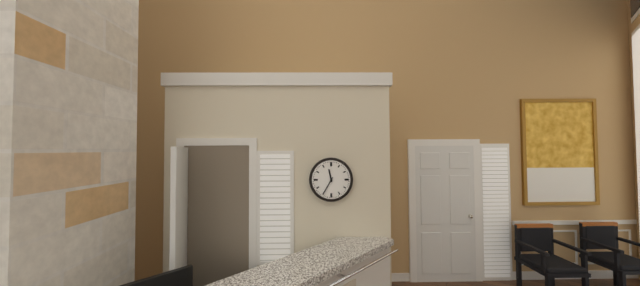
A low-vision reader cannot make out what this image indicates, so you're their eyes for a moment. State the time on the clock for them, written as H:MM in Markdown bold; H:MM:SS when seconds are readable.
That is **11:35**
